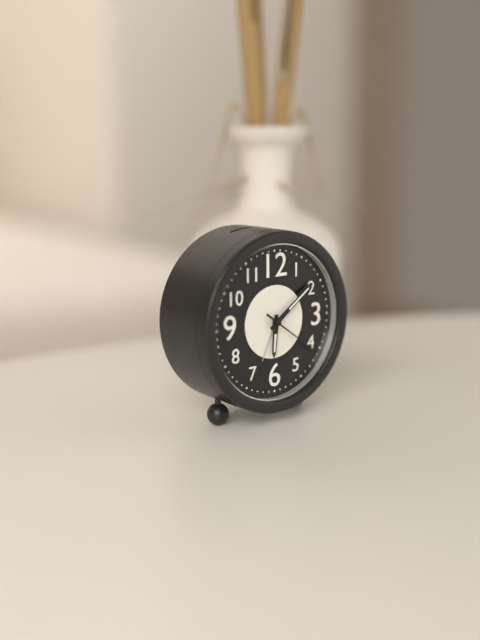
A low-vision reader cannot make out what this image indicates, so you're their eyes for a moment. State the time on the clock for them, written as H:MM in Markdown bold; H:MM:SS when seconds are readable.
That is **6:09:21**
